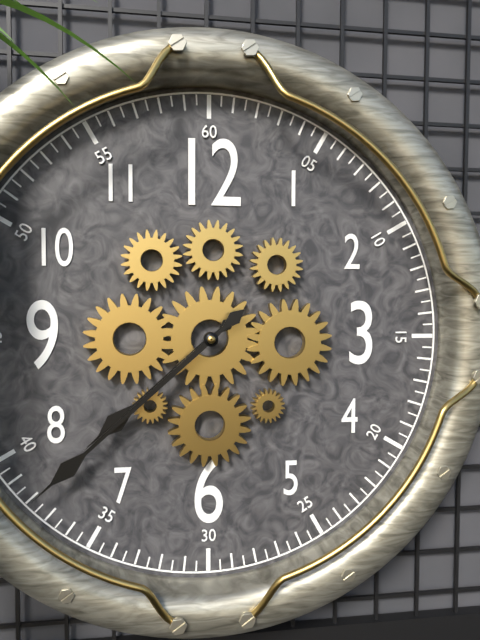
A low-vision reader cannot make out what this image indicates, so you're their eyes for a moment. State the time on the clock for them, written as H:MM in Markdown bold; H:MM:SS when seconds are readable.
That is **7:38**
